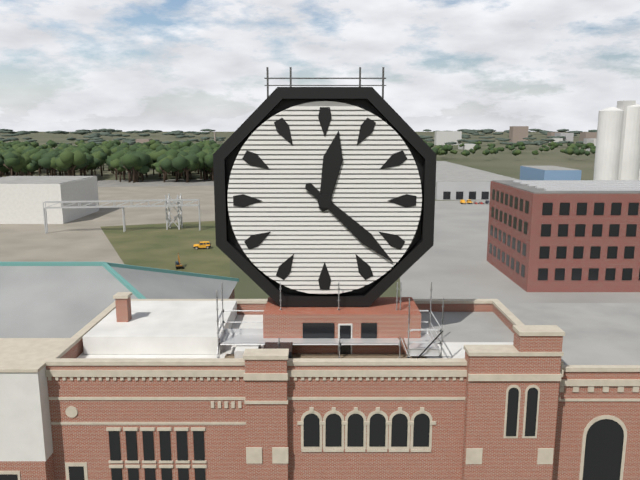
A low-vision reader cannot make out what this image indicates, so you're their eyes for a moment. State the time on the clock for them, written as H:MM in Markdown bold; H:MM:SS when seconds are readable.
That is **12:22**
